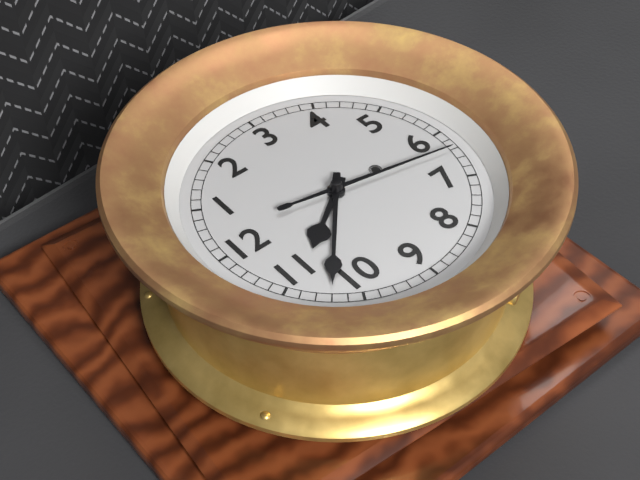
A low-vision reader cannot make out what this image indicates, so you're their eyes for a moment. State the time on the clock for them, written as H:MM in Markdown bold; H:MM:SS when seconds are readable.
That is **10:52:32**
